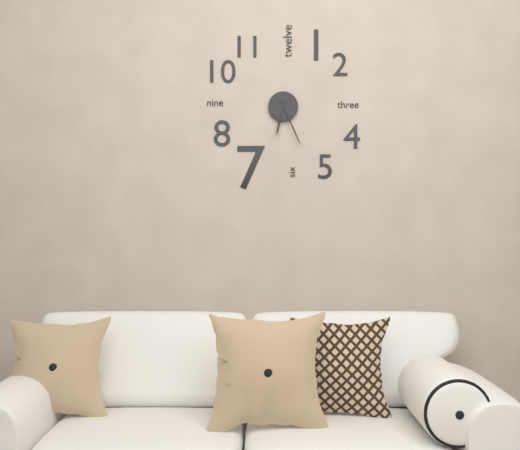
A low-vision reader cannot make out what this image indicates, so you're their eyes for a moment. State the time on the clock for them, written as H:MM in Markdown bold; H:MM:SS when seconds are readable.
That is **6:26**
